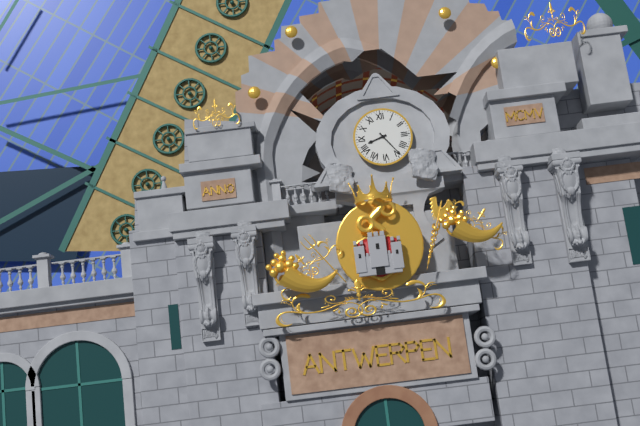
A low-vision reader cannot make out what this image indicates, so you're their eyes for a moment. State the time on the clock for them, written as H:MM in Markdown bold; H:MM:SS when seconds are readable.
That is **8:24**
